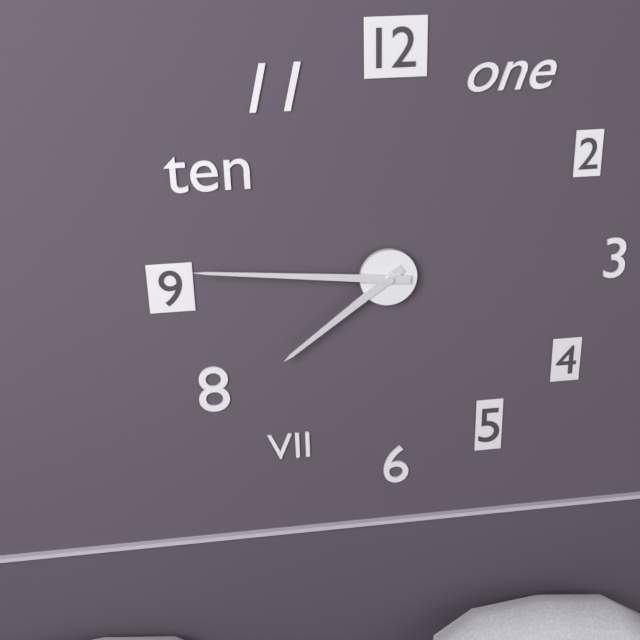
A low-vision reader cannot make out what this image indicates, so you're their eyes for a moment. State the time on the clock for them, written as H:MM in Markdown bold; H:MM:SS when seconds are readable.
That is **7:46**
